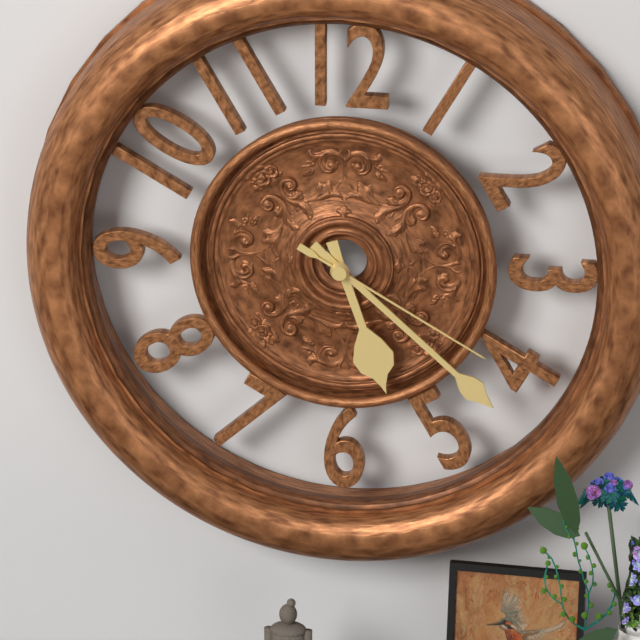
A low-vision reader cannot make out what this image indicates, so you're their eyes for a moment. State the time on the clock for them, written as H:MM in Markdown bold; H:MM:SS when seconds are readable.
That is **5:22:20**
